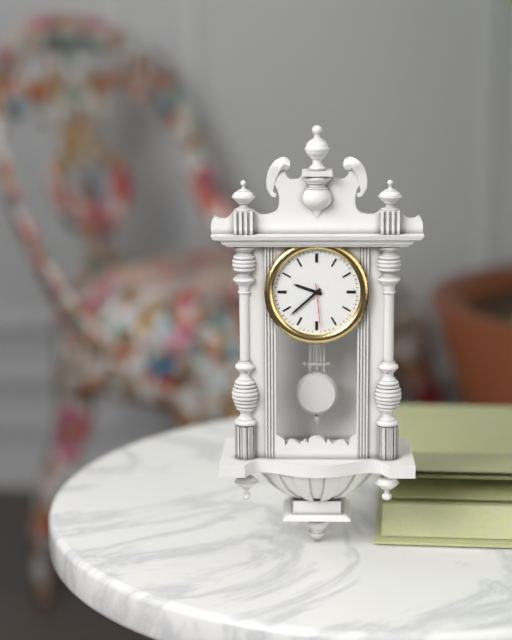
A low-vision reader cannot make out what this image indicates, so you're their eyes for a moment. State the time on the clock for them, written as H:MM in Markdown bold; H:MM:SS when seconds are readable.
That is **9:38**
